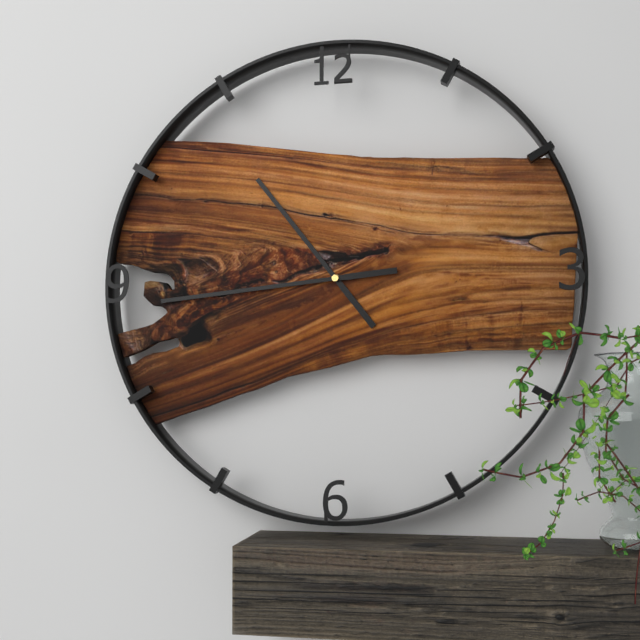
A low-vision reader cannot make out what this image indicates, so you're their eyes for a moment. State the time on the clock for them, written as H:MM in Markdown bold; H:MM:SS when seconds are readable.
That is **10:44**
